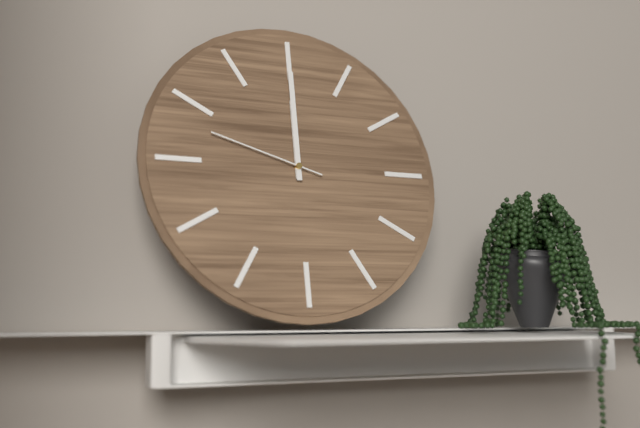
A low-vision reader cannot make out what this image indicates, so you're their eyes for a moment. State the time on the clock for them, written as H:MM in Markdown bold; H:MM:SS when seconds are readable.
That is **12:00:48**
